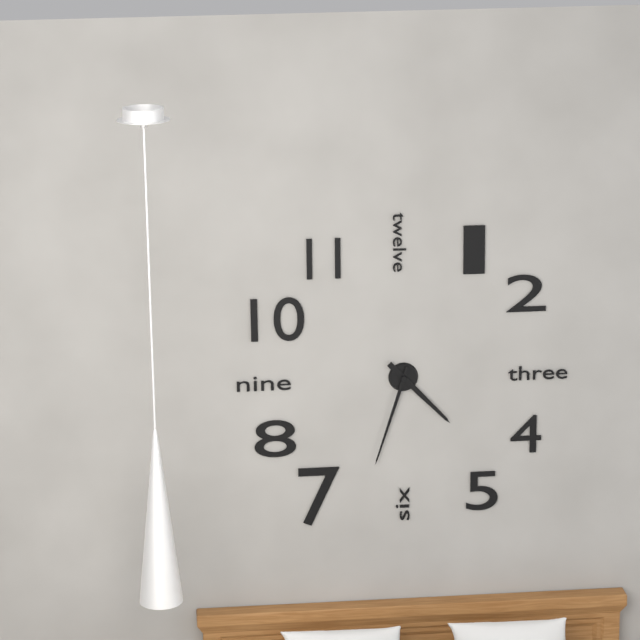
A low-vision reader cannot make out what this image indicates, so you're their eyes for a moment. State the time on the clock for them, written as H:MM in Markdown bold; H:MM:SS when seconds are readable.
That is **4:33**
